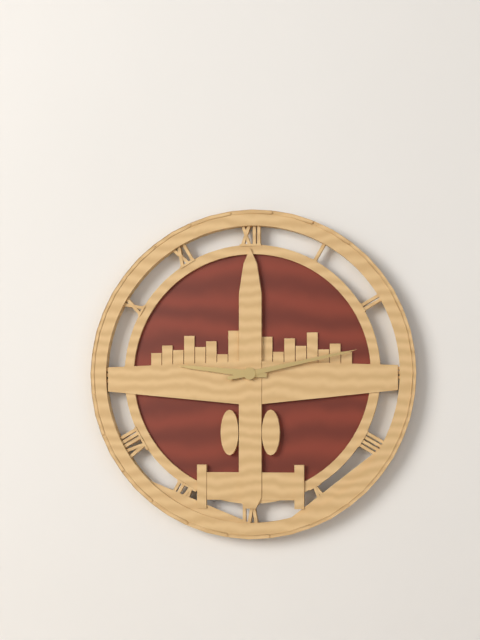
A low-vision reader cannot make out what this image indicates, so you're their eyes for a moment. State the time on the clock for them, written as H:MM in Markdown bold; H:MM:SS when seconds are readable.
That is **9:13**
